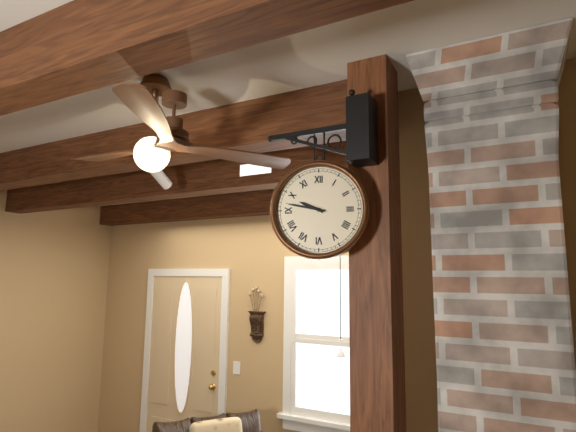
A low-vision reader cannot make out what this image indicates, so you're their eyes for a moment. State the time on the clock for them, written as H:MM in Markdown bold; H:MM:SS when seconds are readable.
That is **9:47**
